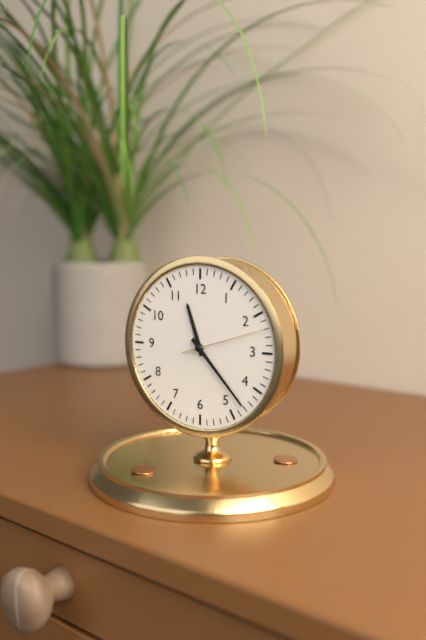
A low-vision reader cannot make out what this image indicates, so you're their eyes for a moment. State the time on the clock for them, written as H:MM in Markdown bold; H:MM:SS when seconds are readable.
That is **11:23:12**
